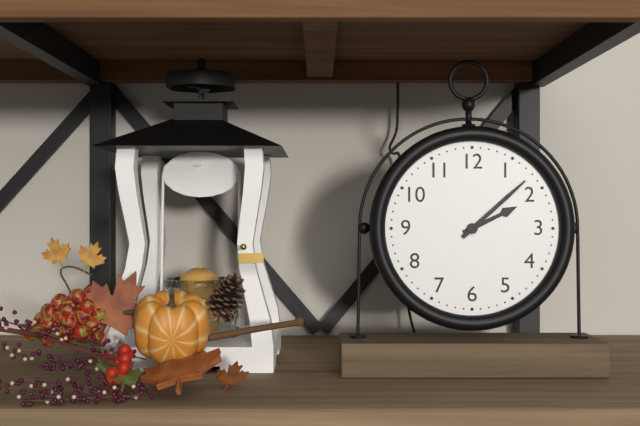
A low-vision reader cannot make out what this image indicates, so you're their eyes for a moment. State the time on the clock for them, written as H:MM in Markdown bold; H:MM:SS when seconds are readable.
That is **2:08**
